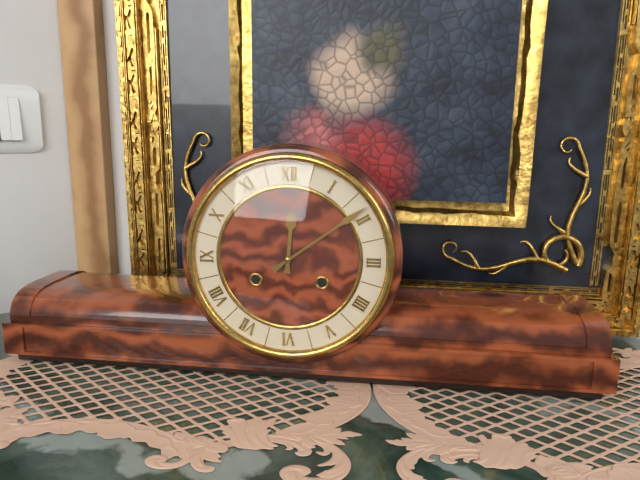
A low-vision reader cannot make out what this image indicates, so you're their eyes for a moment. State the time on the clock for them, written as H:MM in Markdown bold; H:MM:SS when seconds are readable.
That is **12:09**
